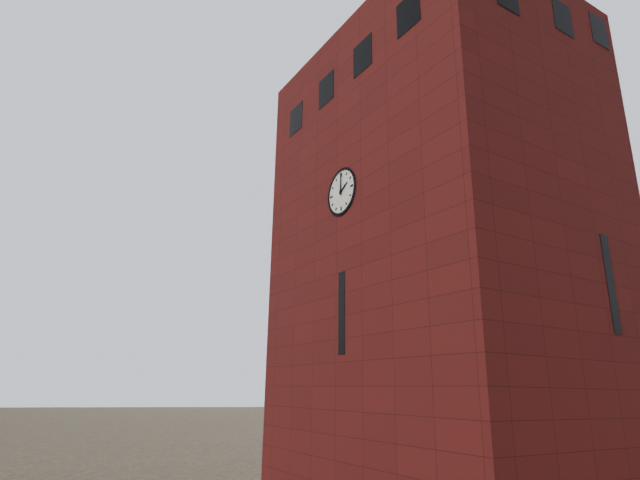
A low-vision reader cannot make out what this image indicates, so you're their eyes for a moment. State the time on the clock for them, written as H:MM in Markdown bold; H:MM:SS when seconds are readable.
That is **2:00**
